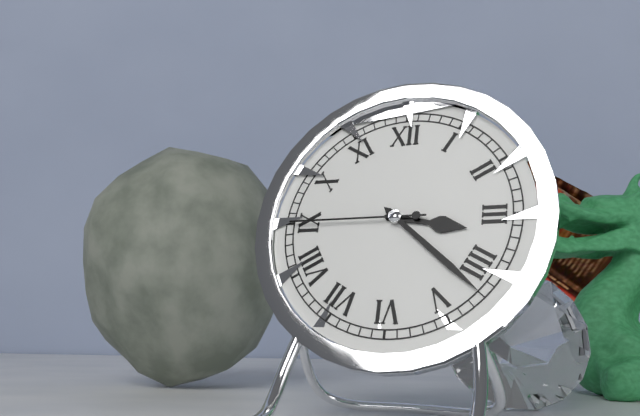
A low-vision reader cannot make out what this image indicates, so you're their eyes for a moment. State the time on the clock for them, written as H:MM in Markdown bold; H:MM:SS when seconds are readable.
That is **3:22:45**
